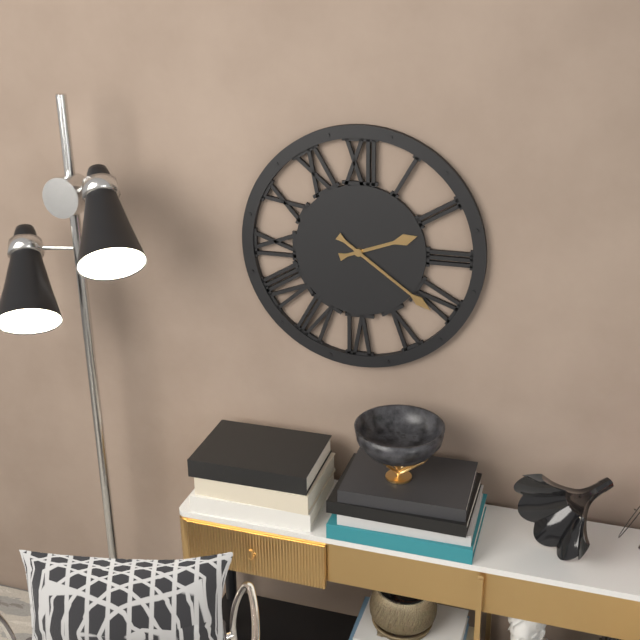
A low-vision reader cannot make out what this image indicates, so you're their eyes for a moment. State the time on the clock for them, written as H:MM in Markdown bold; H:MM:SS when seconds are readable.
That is **2:21**
